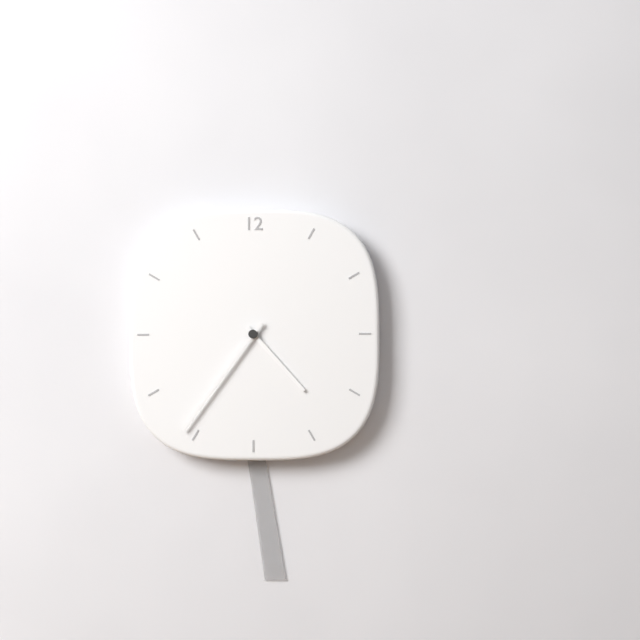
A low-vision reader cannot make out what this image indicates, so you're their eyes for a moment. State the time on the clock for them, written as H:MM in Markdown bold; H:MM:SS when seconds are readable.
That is **4:36**
